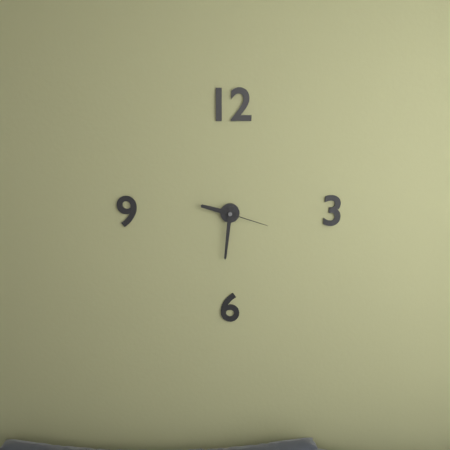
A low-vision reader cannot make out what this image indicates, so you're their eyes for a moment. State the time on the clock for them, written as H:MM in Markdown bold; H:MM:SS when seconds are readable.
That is **9:31:18**
